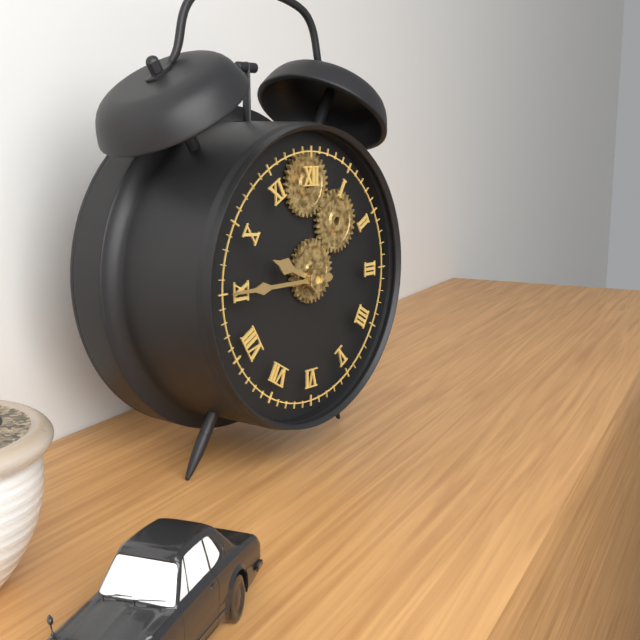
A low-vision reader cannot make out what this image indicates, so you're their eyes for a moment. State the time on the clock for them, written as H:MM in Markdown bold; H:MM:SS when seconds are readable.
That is **9:45**
